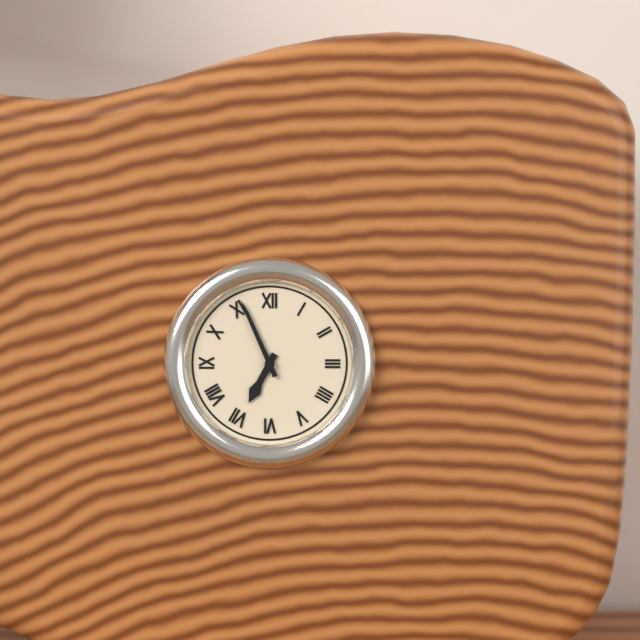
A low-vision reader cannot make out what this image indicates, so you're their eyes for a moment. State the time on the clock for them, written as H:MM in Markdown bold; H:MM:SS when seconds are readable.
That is **6:56**
